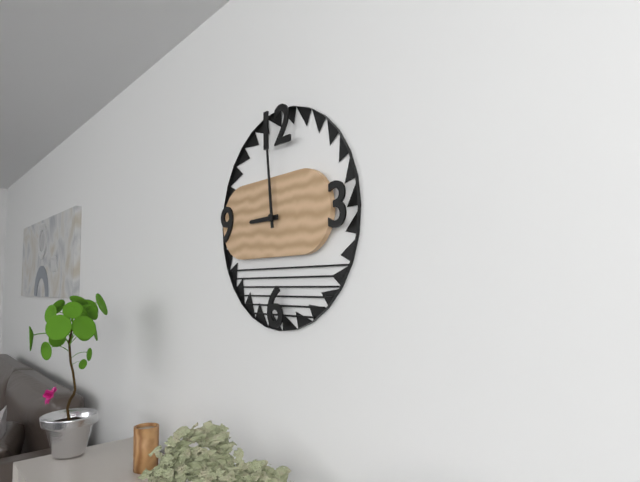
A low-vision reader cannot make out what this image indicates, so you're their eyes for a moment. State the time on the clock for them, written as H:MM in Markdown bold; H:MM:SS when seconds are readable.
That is **8:59**
